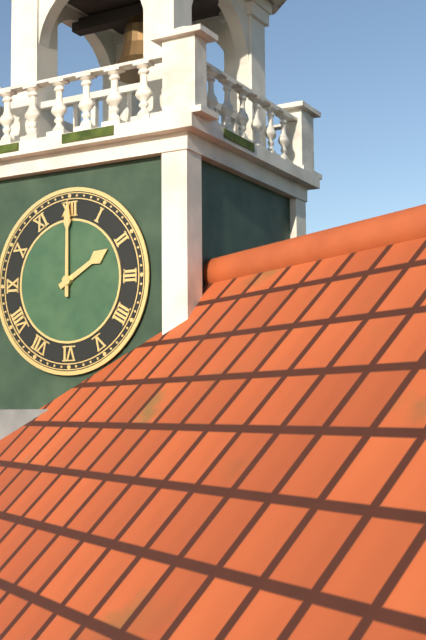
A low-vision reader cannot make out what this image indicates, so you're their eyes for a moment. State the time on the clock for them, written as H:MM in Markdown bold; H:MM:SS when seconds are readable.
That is **2:00**
